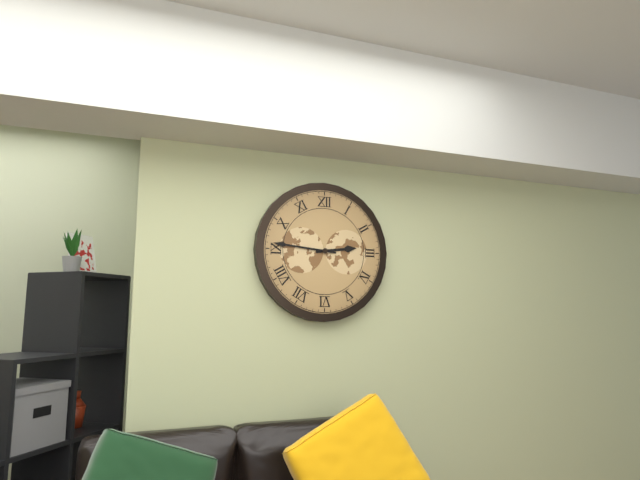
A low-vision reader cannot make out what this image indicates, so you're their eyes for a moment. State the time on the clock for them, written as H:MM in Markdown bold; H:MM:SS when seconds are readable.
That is **2:46**
